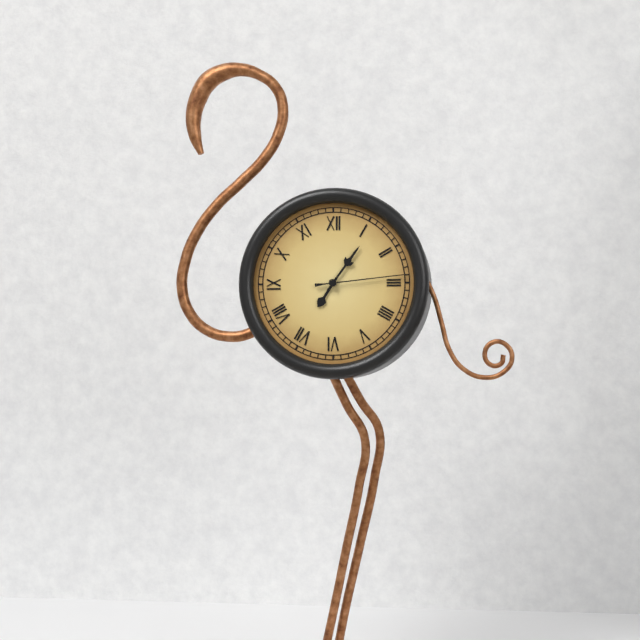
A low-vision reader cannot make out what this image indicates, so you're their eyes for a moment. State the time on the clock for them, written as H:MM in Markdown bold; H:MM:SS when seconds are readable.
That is **7:06:14**
